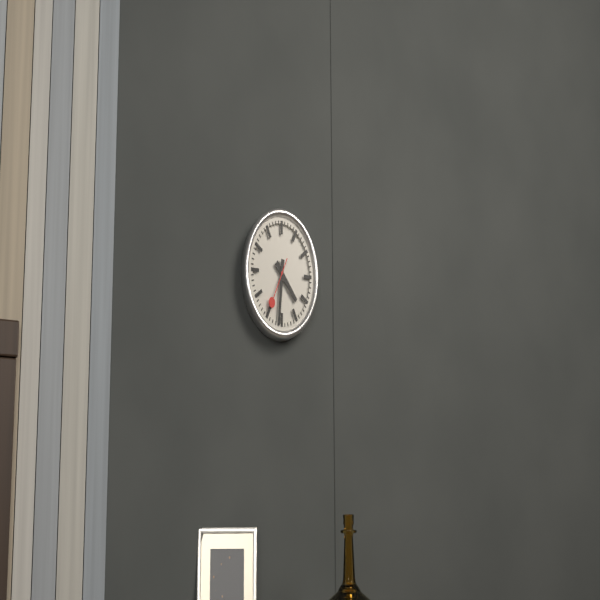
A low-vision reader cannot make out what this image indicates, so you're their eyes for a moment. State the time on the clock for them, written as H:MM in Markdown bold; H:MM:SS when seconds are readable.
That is **4:31**
